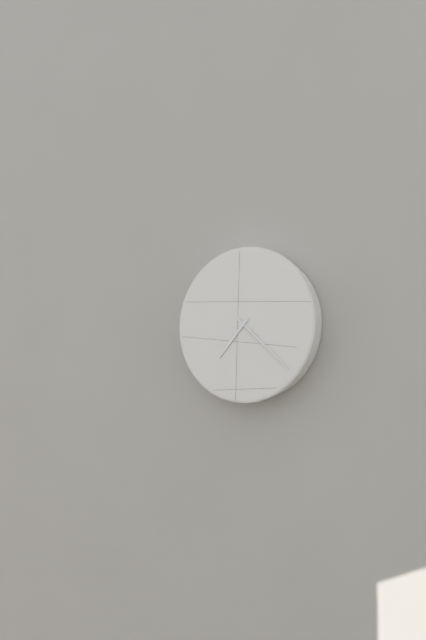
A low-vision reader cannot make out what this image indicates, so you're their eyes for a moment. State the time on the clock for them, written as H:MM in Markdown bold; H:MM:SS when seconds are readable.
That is **7:22**
